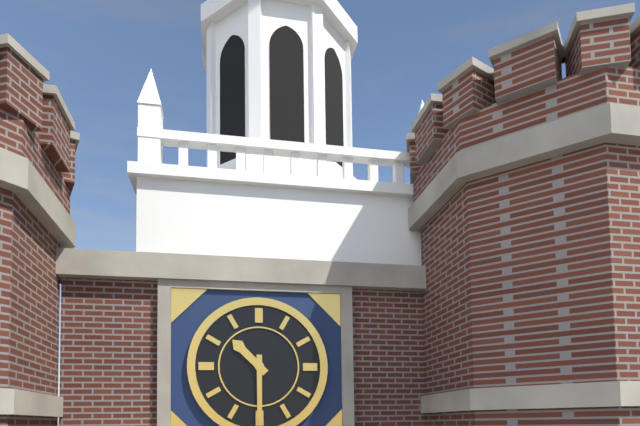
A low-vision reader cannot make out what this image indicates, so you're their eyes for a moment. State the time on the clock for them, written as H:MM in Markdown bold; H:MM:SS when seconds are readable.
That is **10:30**
